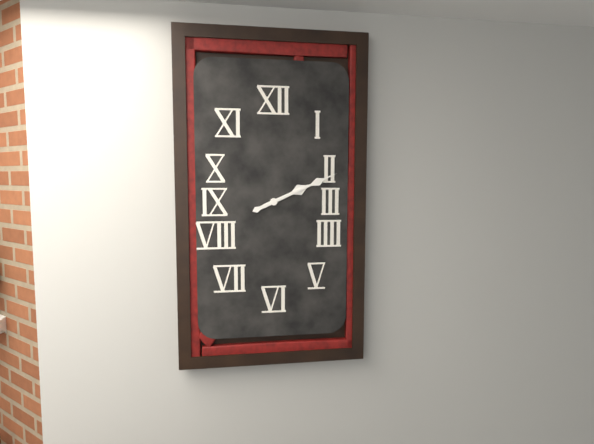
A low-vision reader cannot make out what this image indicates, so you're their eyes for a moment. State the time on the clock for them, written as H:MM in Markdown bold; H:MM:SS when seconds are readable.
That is **2:11**
